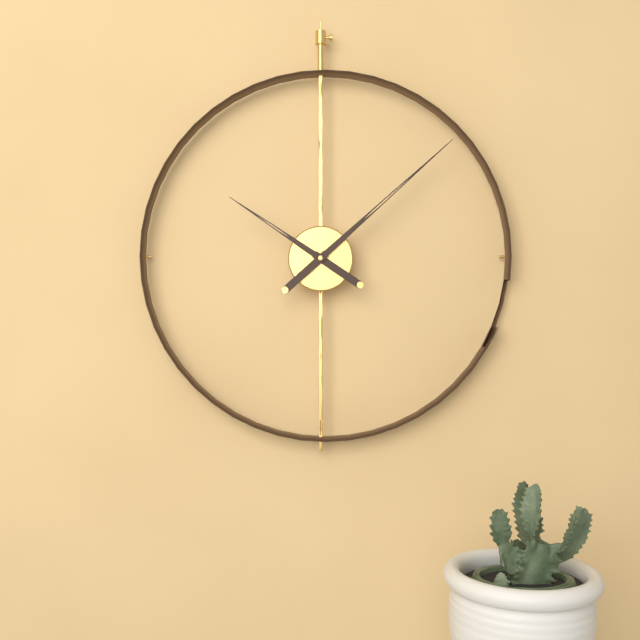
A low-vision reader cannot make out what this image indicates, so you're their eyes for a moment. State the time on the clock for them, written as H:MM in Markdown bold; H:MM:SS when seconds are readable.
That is **10:08**
